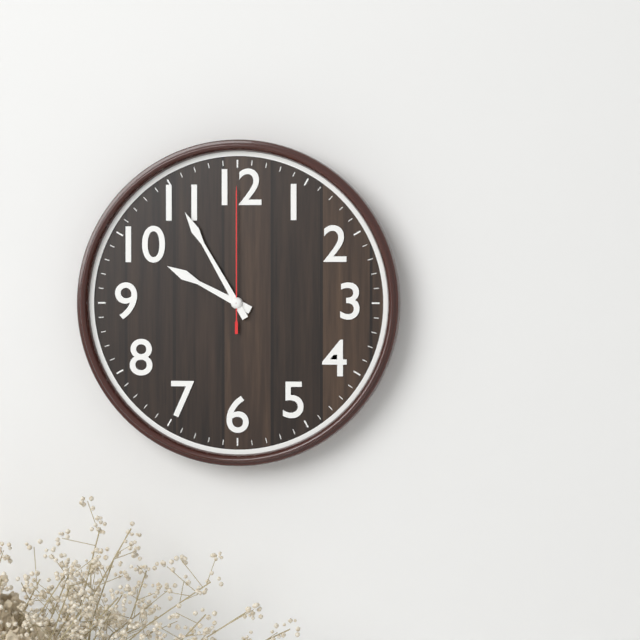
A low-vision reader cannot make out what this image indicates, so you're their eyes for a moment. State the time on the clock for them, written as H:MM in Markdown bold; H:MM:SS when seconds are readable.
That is **9:55:00**
